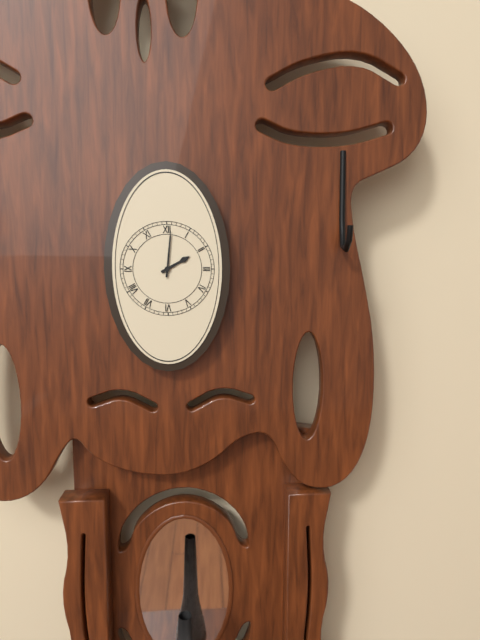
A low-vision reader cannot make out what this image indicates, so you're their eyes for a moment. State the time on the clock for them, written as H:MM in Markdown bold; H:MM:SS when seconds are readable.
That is **2:01**
